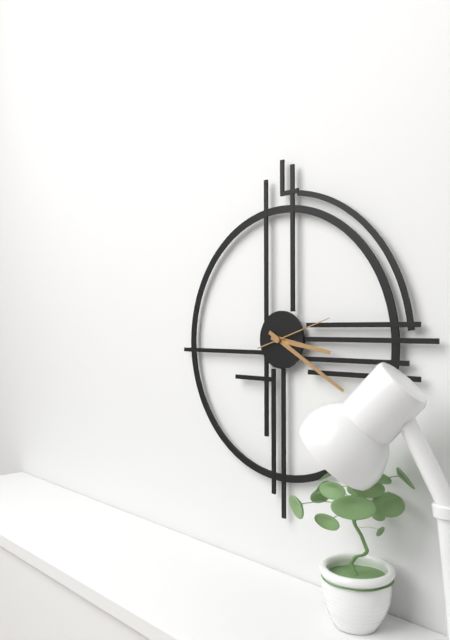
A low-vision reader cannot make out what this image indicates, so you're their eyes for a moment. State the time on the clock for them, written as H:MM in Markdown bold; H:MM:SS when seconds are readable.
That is **3:20:12**
